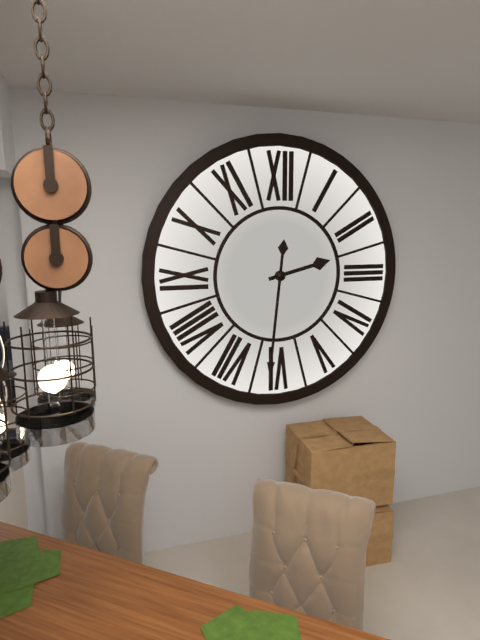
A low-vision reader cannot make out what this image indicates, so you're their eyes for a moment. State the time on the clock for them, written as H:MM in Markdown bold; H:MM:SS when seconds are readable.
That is **2:31**
